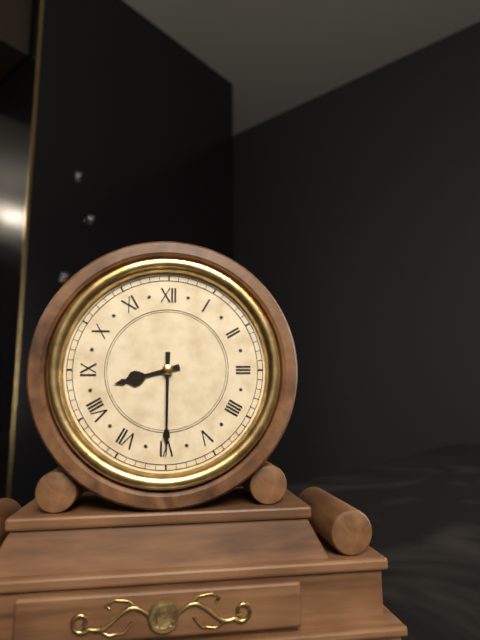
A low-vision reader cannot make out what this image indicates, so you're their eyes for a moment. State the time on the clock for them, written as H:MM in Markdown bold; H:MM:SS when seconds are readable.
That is **8:30**
